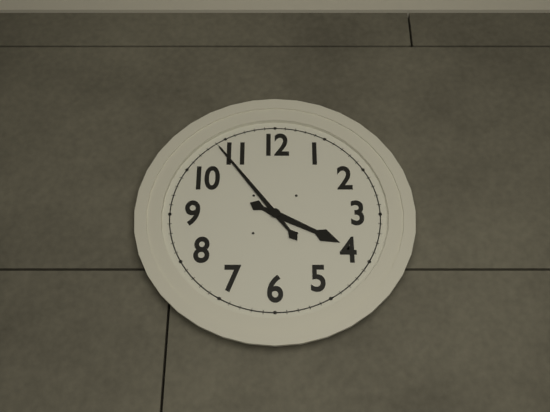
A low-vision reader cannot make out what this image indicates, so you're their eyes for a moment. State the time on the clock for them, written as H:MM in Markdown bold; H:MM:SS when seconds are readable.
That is **3:54**
